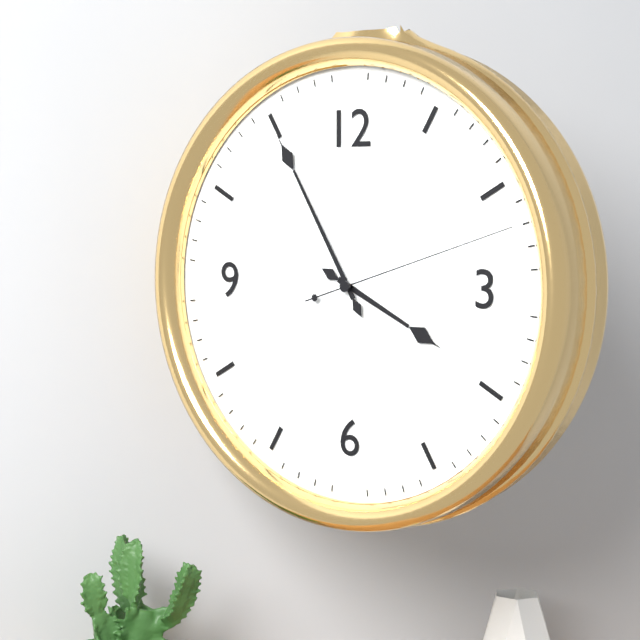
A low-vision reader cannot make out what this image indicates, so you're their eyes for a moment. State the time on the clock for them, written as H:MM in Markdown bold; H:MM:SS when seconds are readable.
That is **3:55:12**
